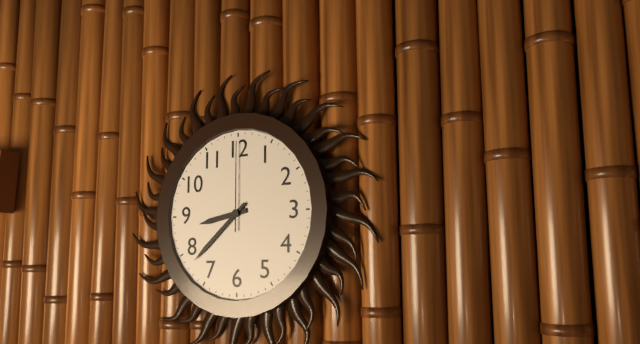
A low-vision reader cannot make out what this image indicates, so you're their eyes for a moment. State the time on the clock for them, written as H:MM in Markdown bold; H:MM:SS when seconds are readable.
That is **8:38:00**
